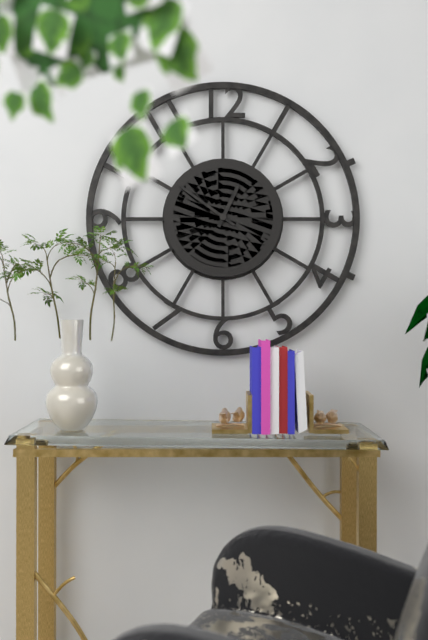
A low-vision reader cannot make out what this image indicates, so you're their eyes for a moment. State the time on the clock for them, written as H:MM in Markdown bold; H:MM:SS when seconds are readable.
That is **12:51**
